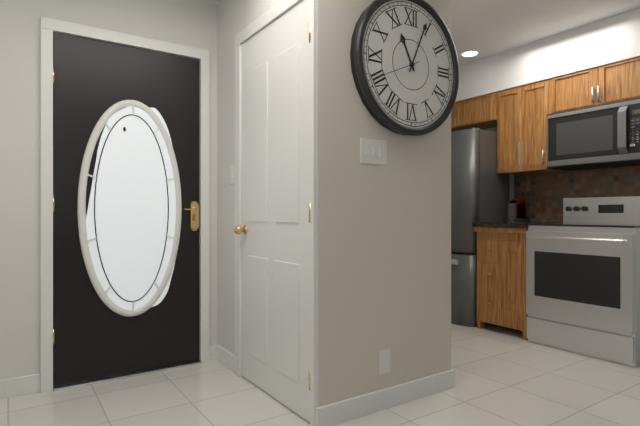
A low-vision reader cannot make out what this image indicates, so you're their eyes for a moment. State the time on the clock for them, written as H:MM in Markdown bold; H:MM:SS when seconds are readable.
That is **11:04**
